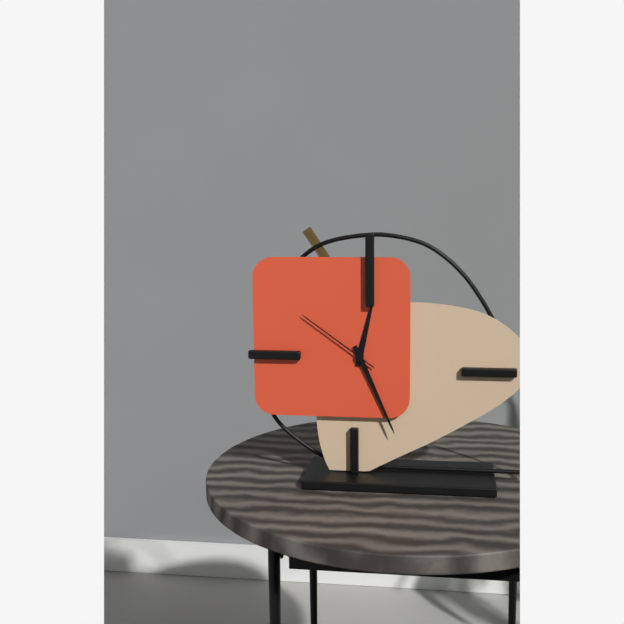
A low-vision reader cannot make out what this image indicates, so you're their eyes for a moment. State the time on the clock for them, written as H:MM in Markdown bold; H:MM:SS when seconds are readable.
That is **12:26:51**
